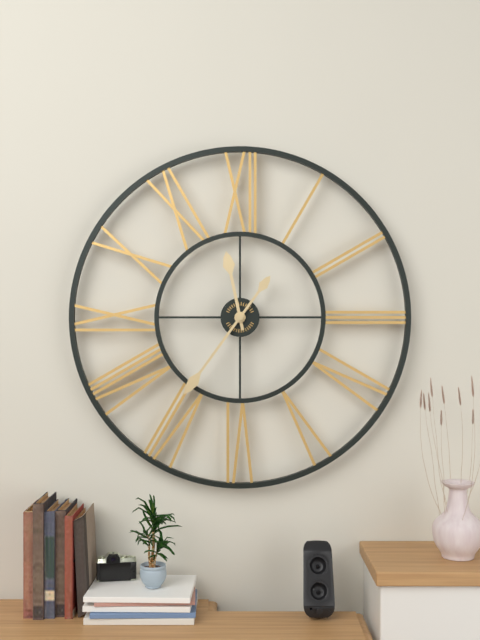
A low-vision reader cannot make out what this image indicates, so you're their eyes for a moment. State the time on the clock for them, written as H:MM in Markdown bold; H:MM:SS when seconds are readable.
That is **11:36**
